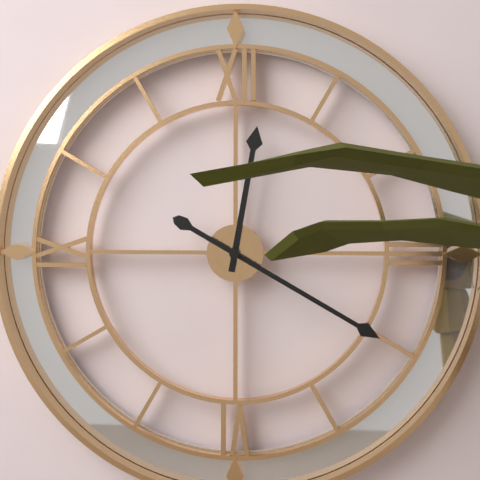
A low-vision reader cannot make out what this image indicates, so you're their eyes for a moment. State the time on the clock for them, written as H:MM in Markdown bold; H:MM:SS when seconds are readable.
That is **12:20**
